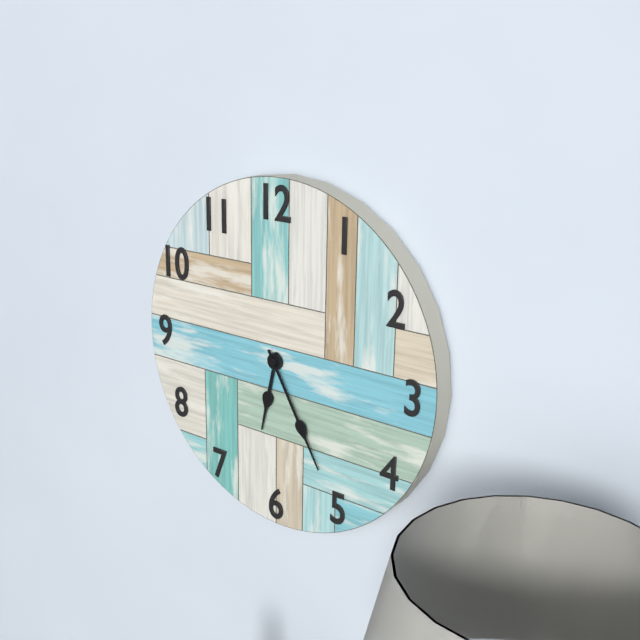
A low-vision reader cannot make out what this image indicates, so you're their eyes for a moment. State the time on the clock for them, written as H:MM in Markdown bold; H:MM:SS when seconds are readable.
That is **6:25**
